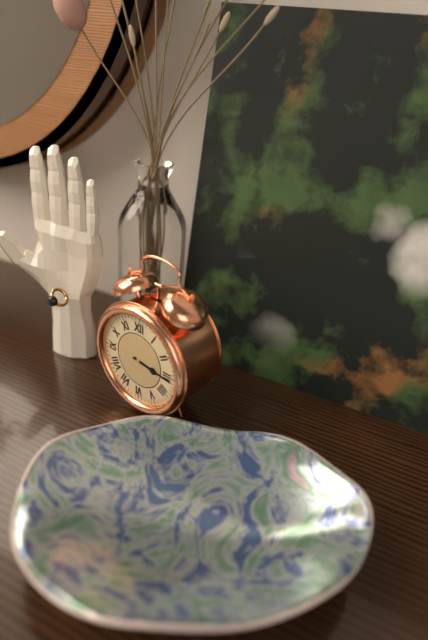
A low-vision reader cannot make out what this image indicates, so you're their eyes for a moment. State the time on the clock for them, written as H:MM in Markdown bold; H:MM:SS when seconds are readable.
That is **3:16**
